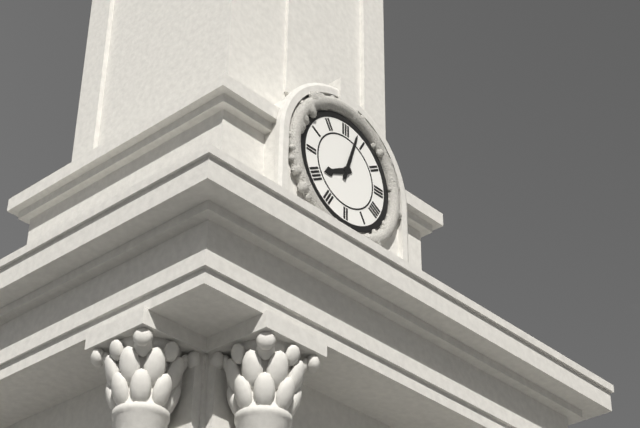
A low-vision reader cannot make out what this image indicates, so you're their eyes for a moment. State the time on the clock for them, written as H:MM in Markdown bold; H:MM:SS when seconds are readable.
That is **8:03**
